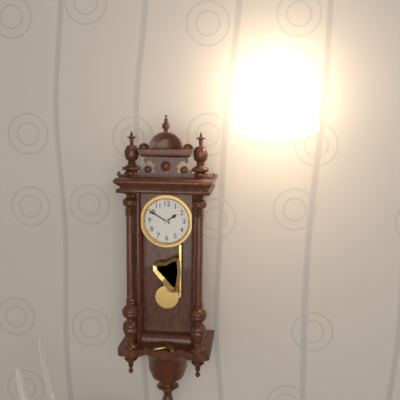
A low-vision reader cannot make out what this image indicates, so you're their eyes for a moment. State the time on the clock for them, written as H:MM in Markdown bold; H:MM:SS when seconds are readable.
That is **1:50**
